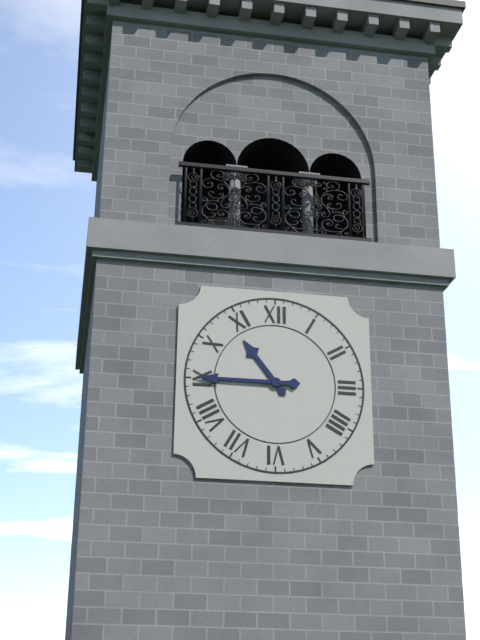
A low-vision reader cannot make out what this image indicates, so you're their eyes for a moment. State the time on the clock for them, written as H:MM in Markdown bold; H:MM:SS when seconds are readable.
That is **10:45**
